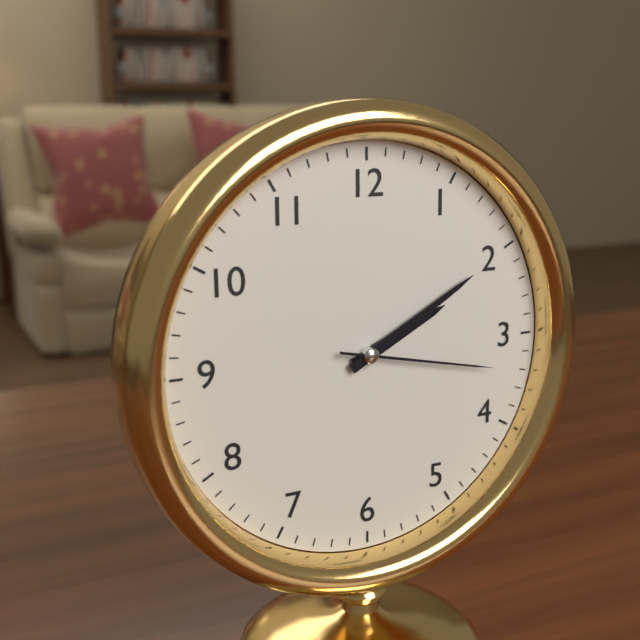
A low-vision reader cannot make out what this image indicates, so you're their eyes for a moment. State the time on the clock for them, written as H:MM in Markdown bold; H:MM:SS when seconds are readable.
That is **2:10:17**
